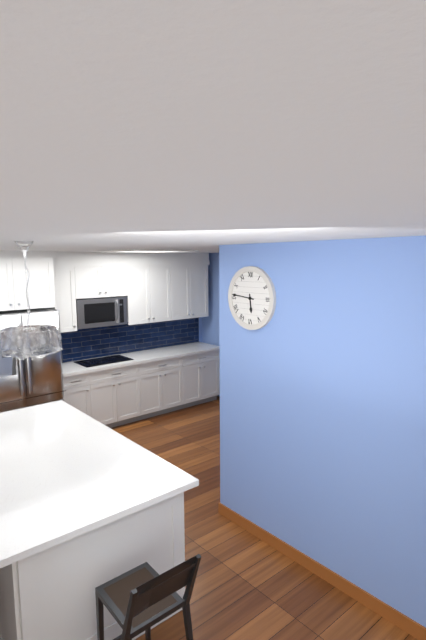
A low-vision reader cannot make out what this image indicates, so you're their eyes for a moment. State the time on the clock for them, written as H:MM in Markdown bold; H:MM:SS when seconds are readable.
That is **5:46**
